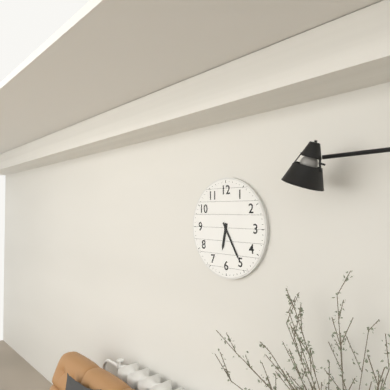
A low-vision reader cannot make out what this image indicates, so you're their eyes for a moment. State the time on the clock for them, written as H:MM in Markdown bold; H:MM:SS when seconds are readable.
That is **6:25**
